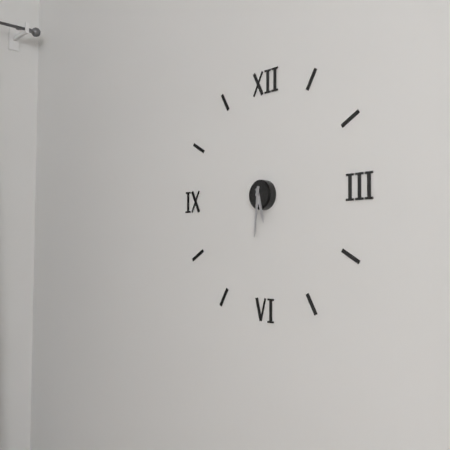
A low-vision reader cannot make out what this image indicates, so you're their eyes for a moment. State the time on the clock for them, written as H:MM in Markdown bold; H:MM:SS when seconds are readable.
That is **5:31**
